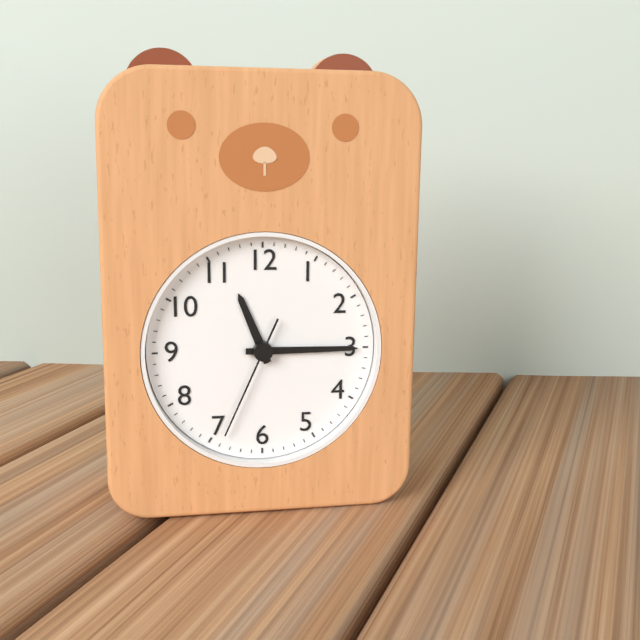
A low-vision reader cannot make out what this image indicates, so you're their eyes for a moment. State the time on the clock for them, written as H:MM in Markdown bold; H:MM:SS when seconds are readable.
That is **11:15:34**
